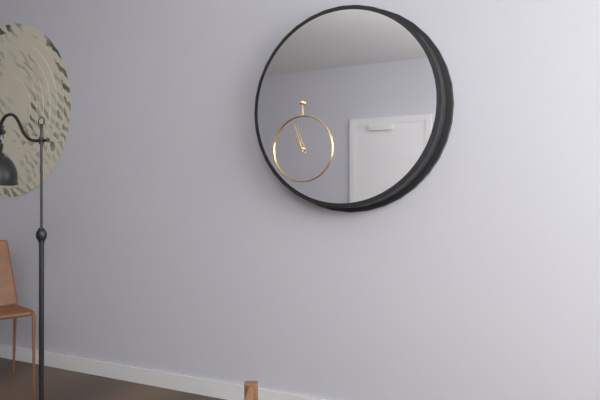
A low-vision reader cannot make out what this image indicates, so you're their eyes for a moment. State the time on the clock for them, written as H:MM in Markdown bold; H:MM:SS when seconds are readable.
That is **10:57**
